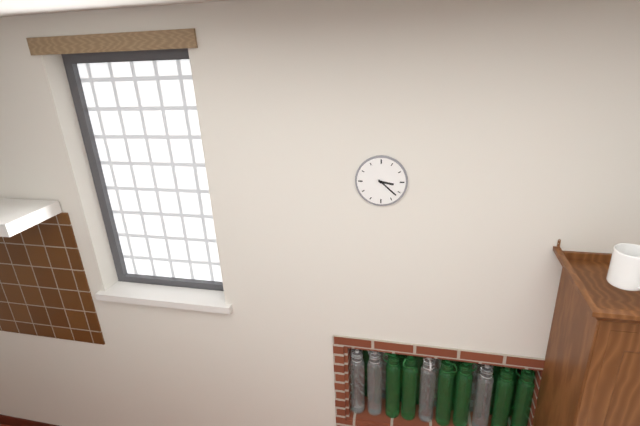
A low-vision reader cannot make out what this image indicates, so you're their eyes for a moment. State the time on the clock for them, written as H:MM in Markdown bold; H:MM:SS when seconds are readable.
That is **3:22**
